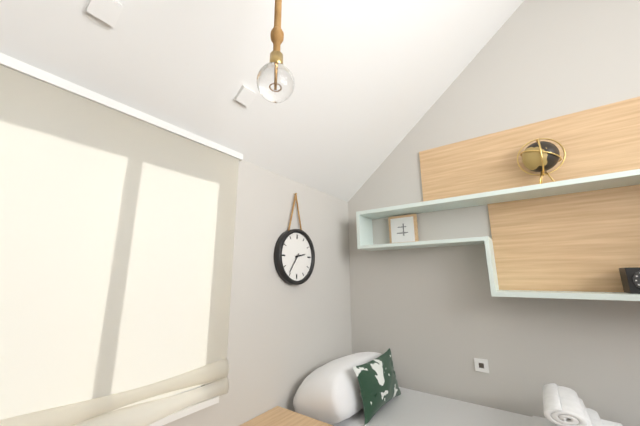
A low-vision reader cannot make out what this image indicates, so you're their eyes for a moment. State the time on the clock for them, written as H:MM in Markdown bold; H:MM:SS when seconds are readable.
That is **2:36**
